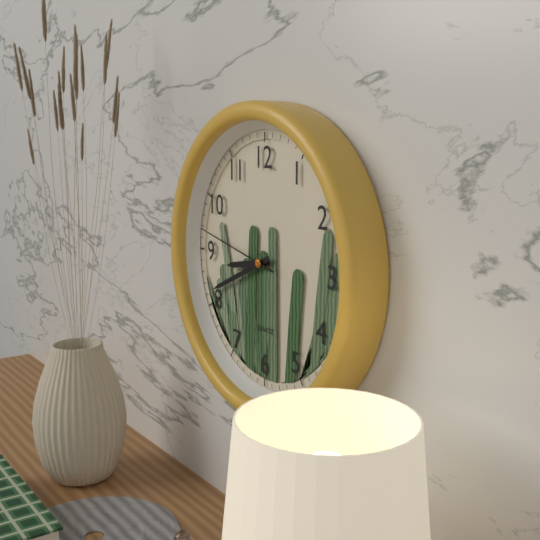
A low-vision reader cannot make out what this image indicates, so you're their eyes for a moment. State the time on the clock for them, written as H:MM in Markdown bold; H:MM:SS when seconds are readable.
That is **8:41:47**
